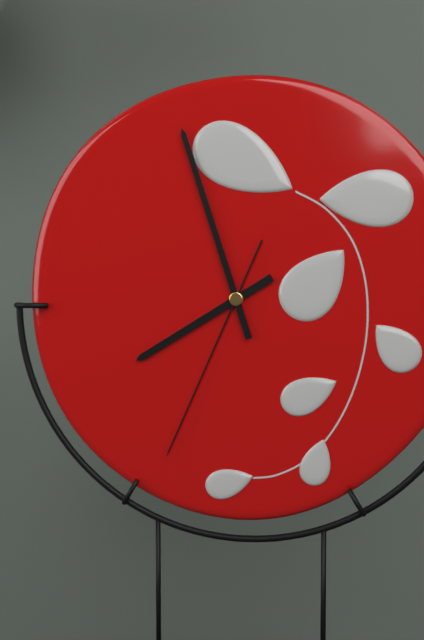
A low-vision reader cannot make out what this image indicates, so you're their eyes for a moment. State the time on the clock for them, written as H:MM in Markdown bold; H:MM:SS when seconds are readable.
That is **7:57:34**
